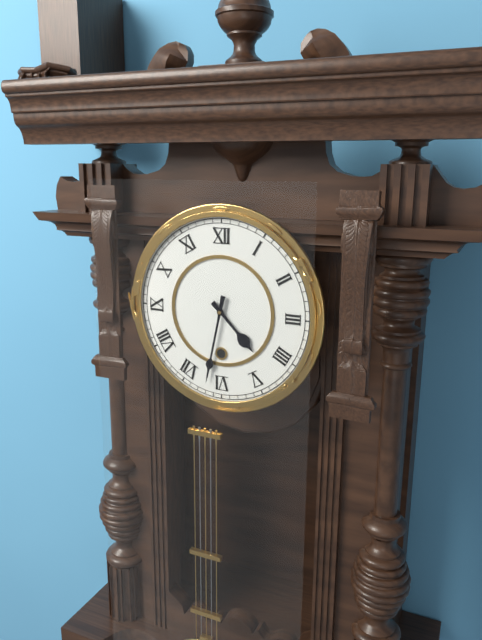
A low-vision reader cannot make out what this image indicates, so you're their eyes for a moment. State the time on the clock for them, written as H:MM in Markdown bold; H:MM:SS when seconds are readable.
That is **4:32**
